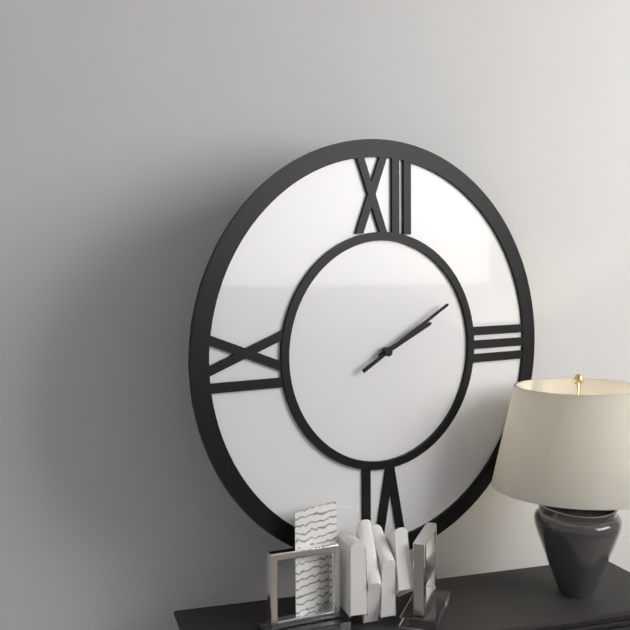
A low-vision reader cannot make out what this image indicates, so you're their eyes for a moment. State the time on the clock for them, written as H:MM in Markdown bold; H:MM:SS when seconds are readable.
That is **2:10**
